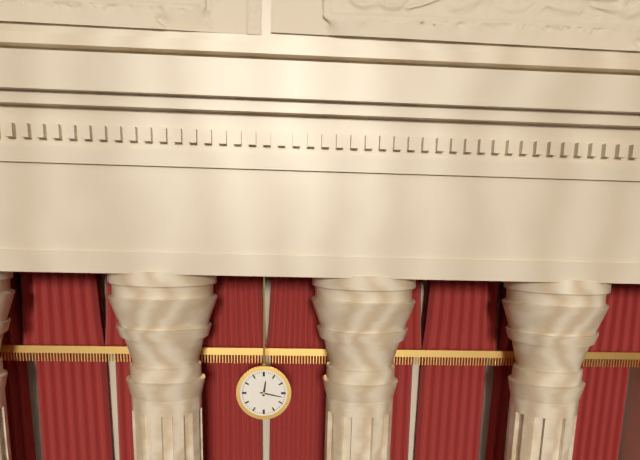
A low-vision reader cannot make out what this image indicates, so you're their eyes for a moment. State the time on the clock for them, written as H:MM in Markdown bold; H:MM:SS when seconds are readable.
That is **12:17**
